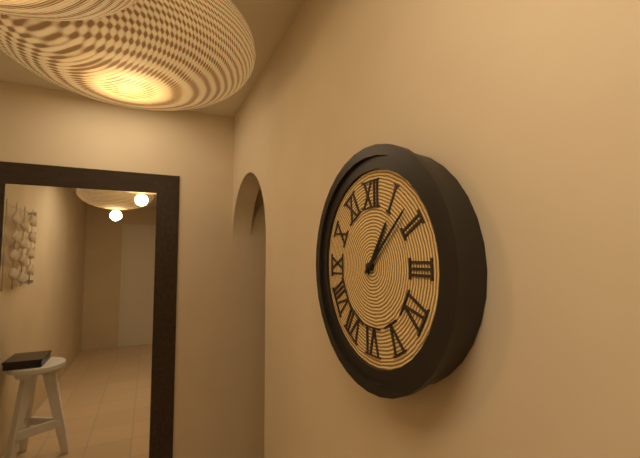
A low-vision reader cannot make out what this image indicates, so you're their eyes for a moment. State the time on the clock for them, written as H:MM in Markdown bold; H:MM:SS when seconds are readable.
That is **1:08**
